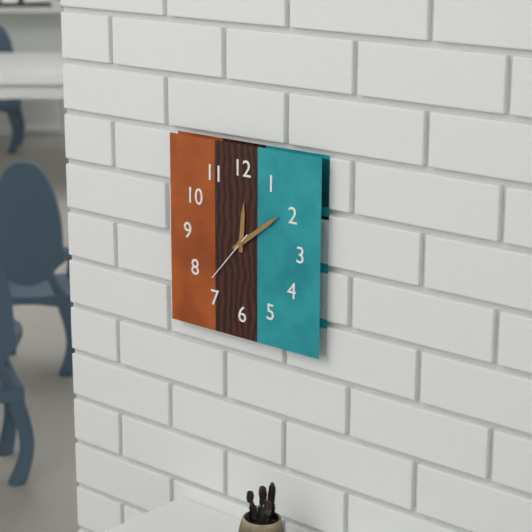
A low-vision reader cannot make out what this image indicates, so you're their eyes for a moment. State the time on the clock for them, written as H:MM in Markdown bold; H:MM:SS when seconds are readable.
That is **12:09:37**
